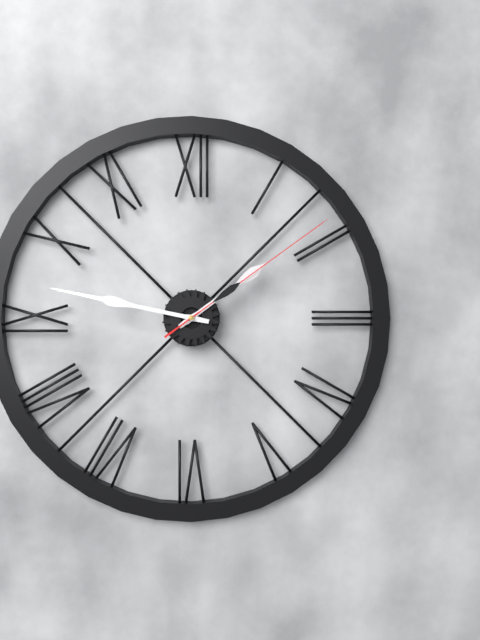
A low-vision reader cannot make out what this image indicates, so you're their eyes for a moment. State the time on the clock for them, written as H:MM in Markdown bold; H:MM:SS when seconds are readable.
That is **1:47:09**
